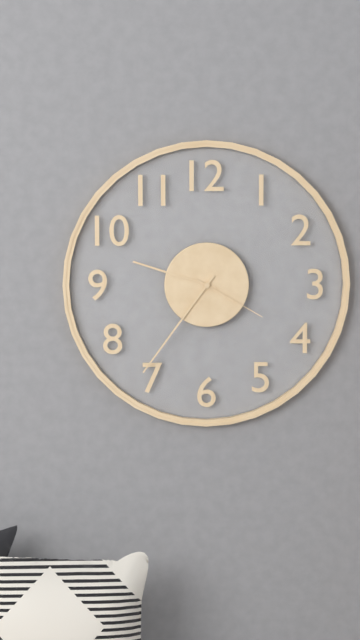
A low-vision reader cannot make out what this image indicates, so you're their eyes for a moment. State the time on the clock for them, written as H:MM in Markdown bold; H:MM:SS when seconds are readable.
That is **9:36:20**
